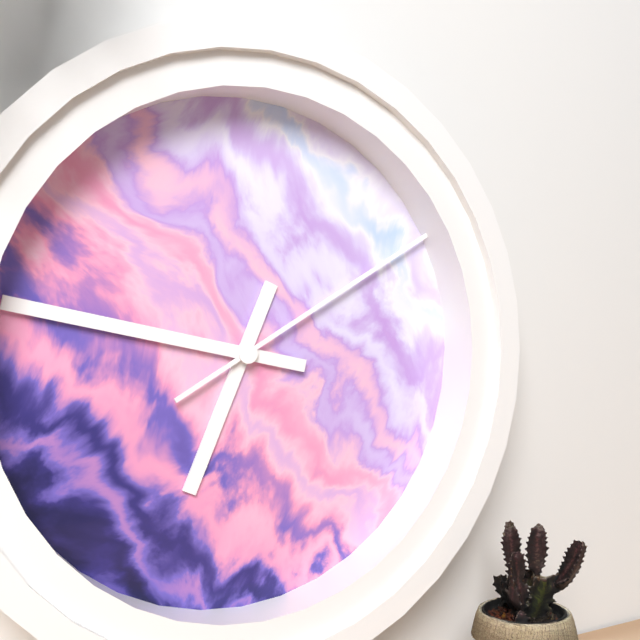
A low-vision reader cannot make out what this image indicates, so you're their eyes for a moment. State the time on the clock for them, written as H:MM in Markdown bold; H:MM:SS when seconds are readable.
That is **6:47:10**
